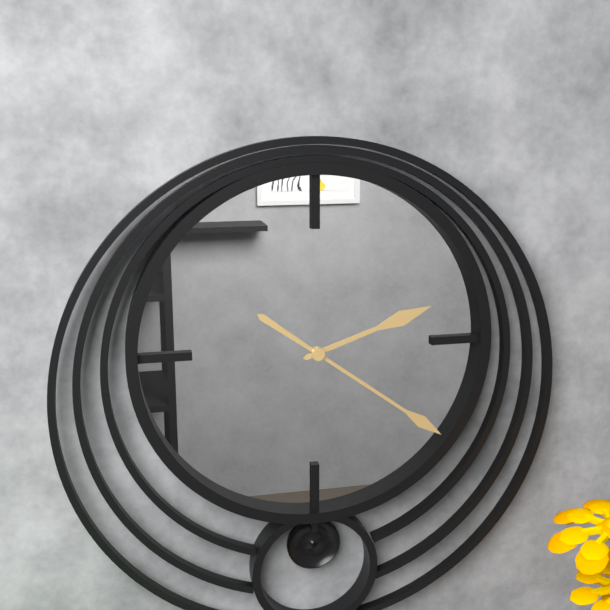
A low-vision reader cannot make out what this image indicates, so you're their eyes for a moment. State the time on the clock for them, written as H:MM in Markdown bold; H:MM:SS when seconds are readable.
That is **2:21**
